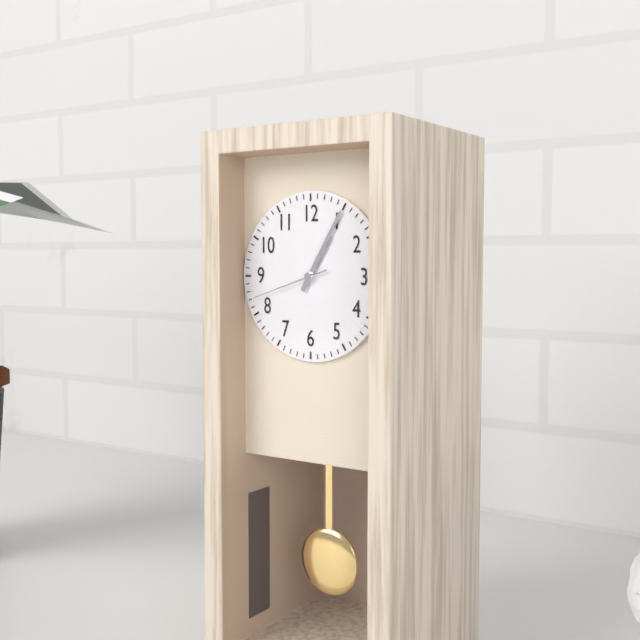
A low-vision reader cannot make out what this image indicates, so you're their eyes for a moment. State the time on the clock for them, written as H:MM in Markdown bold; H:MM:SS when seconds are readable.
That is **1:05:42**
